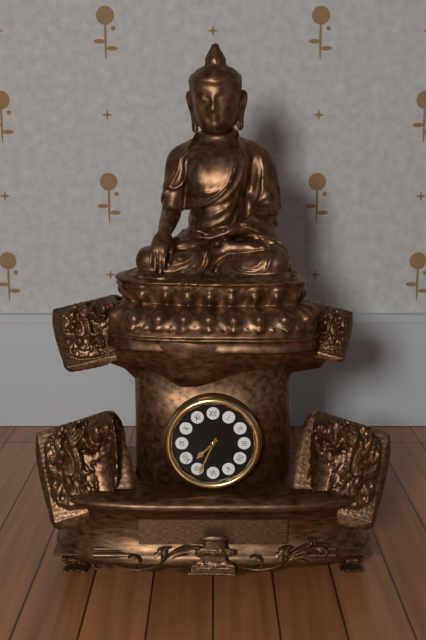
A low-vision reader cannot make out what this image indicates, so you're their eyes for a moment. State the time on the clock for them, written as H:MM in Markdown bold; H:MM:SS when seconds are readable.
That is **7:34**
